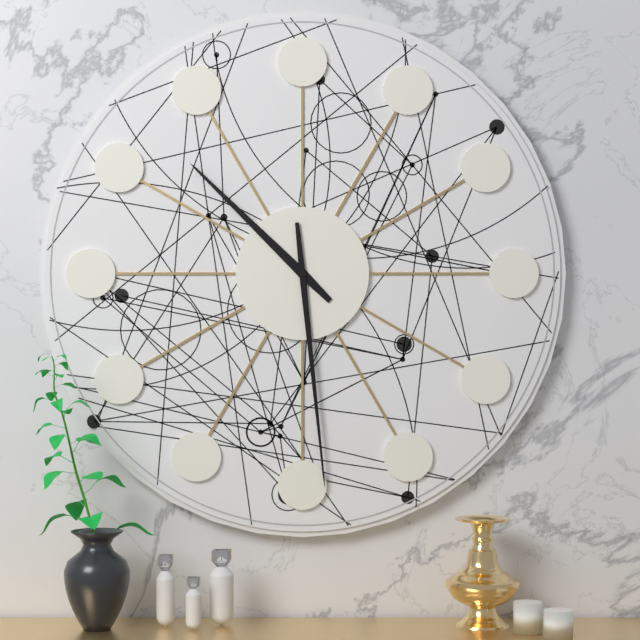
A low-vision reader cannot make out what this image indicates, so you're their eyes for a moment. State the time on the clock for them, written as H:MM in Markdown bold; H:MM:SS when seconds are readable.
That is **10:29**
